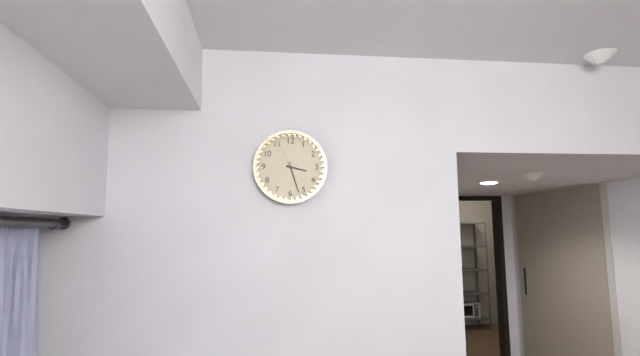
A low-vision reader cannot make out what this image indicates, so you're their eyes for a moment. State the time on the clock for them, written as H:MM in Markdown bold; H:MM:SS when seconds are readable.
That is **3:27**
